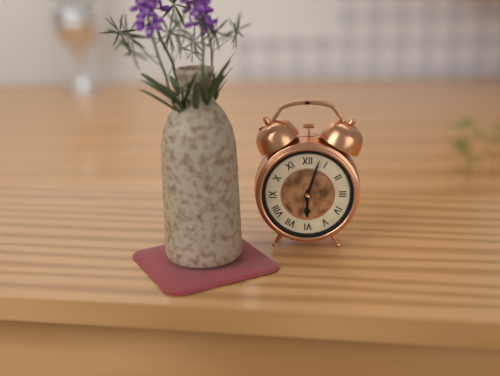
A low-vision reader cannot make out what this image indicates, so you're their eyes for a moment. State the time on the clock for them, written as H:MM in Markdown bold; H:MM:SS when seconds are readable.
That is **6:03**
